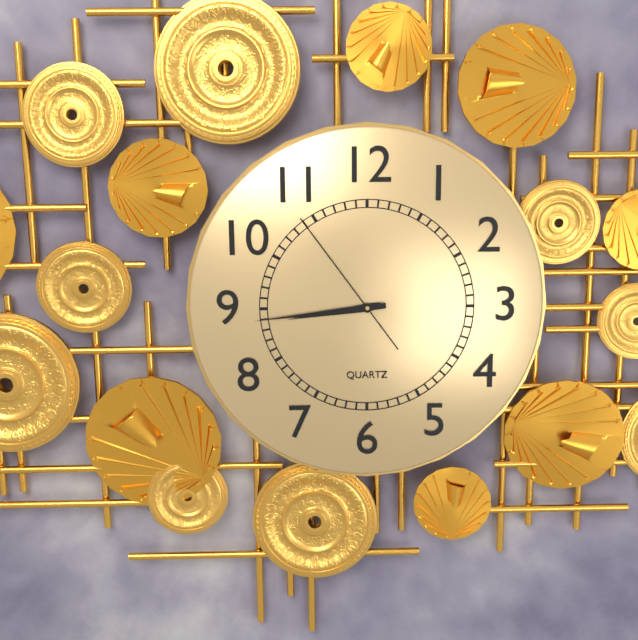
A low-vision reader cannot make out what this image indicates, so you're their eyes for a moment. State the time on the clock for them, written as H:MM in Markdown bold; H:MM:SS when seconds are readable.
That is **8:44:54**
